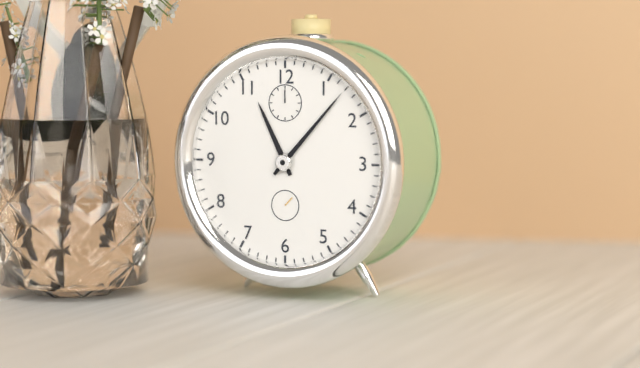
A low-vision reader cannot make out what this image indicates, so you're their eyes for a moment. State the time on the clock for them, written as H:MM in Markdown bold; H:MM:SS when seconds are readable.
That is **11:07**
